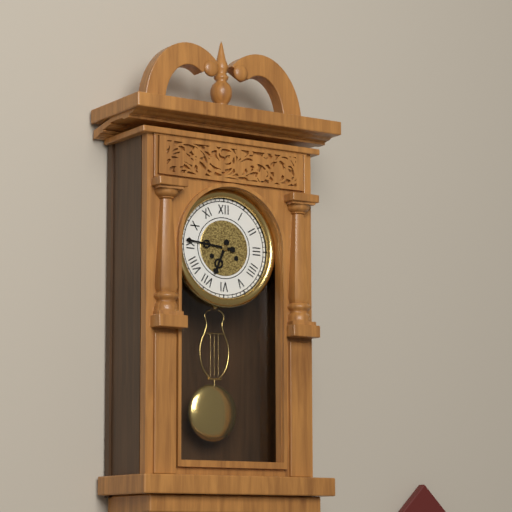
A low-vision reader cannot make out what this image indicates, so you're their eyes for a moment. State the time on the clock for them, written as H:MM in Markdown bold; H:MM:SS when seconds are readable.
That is **6:46**
